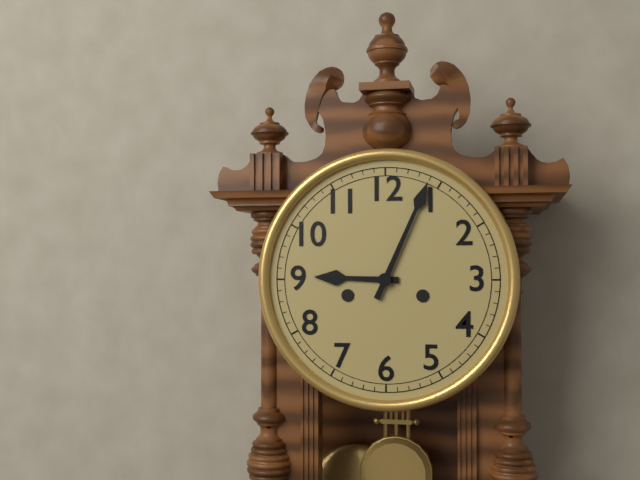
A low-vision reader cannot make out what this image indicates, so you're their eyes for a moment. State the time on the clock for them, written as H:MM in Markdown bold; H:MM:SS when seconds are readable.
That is **9:04**
